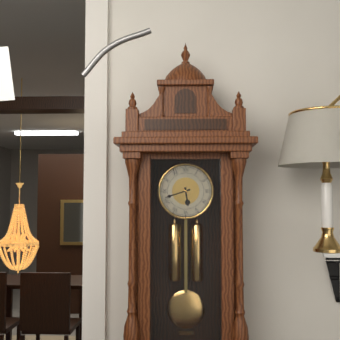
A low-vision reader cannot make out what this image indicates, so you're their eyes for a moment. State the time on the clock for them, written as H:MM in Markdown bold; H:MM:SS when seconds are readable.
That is **5:42**
